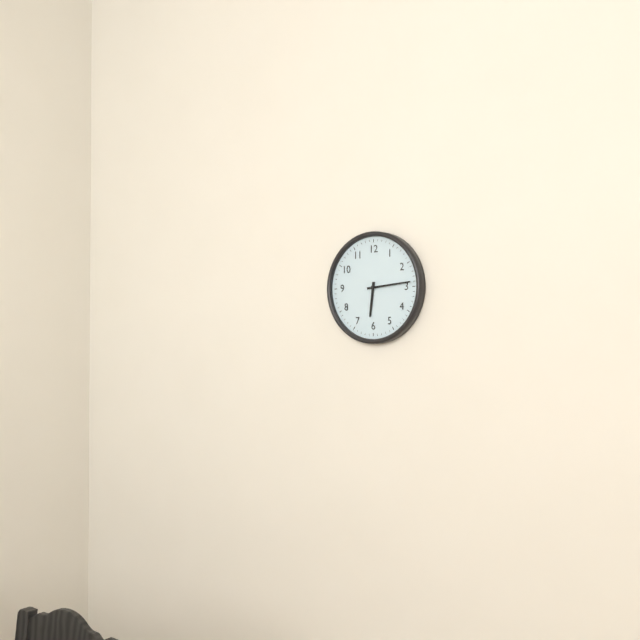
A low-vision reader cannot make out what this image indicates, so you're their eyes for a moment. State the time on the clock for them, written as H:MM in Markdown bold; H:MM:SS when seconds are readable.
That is **6:14**
